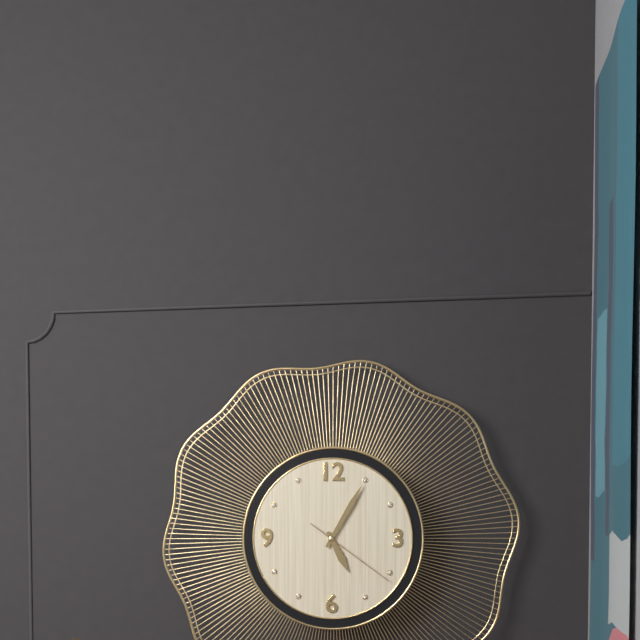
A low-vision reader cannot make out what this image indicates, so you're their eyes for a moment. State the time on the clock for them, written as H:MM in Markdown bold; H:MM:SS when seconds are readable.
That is **5:05:21**
